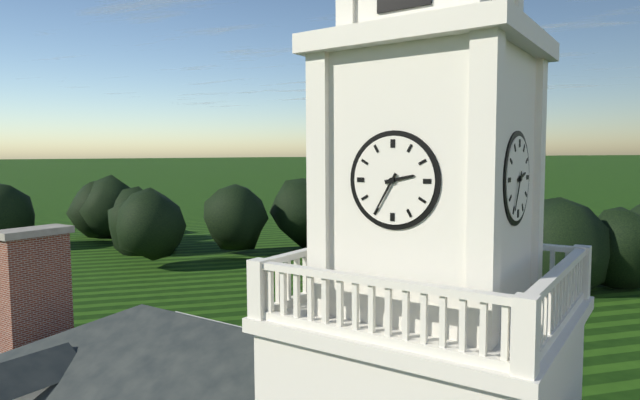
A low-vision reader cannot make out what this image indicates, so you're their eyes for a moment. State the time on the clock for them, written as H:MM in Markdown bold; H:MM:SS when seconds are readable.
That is **2:35**
